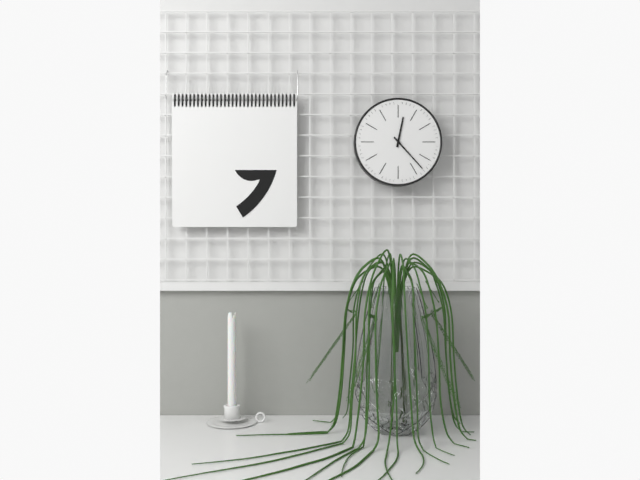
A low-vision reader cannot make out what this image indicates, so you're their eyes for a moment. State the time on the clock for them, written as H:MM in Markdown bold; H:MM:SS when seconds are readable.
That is **12:23**
